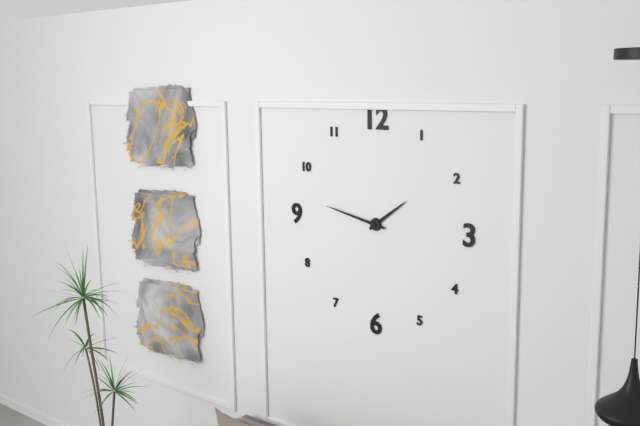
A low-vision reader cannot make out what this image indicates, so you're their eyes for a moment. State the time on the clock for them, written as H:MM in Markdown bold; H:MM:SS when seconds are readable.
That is **1:47**
